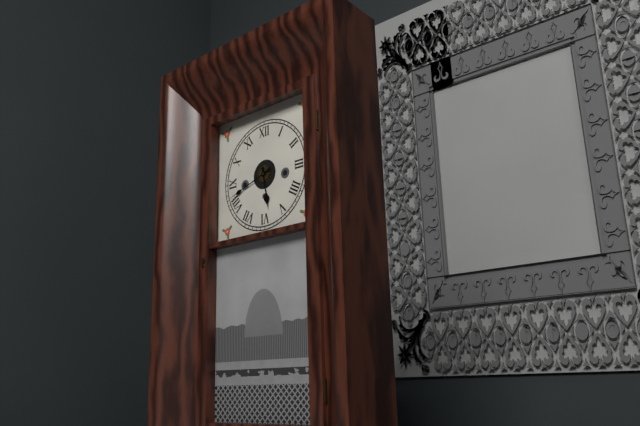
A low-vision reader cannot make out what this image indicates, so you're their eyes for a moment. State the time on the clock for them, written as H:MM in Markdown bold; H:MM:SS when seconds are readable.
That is **5:42**
